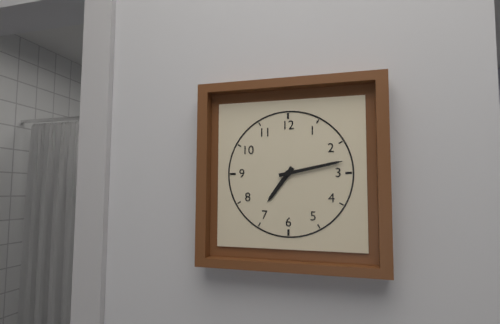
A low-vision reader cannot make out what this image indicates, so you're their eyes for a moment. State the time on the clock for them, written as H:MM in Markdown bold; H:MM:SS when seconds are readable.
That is **7:13**
